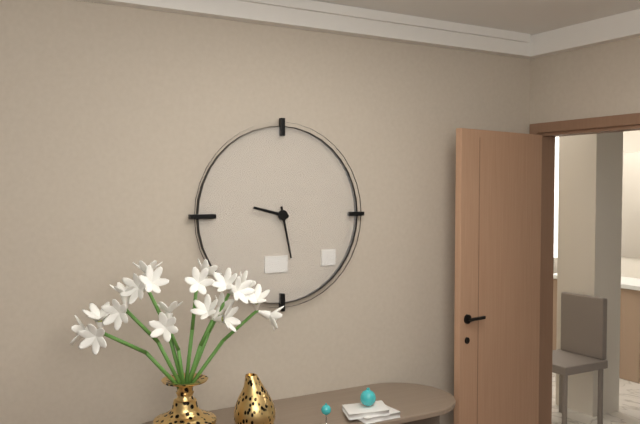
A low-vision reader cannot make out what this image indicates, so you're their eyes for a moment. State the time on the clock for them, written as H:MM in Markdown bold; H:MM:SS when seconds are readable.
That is **9:28**
